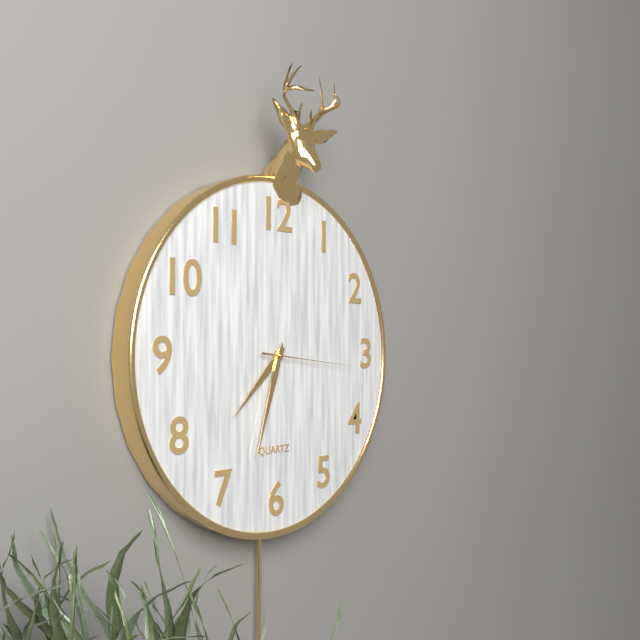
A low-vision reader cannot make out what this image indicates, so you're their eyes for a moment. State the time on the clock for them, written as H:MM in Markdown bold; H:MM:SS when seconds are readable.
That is **7:33:16**
